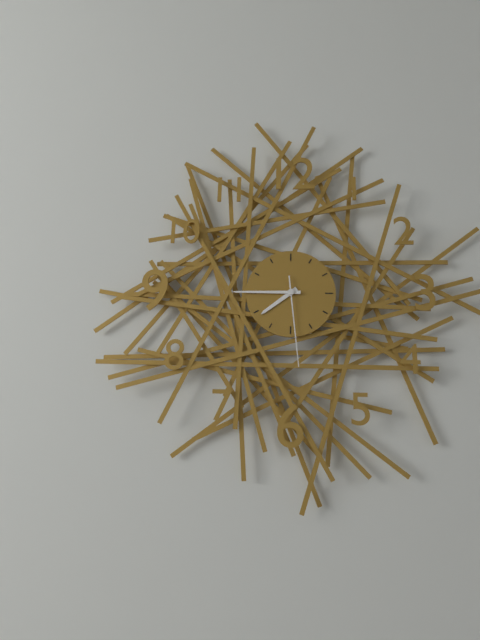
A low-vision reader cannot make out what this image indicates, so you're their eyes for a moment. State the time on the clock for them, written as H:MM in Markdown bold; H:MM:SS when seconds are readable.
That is **7:45:29**
